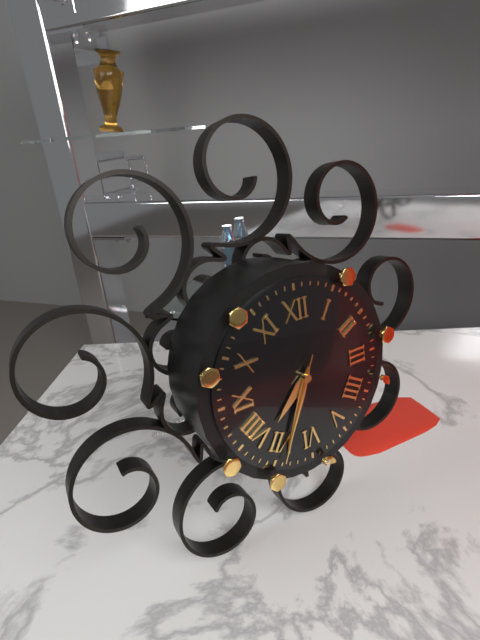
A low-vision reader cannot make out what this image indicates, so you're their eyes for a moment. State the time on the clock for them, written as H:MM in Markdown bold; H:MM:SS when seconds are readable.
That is **7:34:34**
